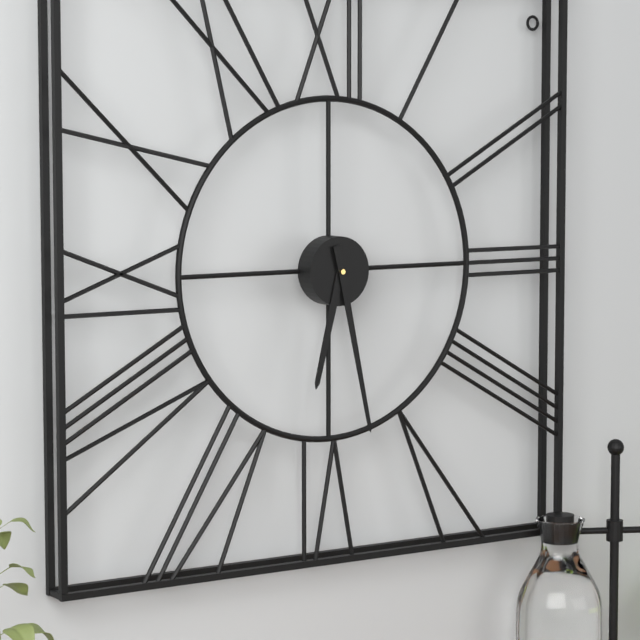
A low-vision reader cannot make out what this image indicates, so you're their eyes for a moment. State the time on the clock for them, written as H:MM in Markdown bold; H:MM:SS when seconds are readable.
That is **6:28**
